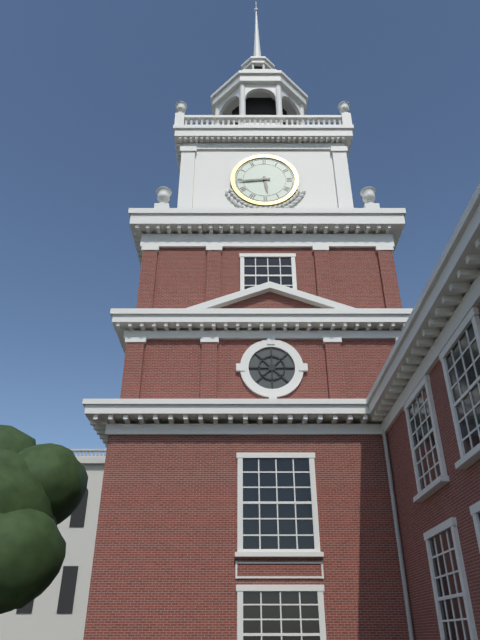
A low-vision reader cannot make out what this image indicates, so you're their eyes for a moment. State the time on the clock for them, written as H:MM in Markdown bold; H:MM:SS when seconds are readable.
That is **5:44**
